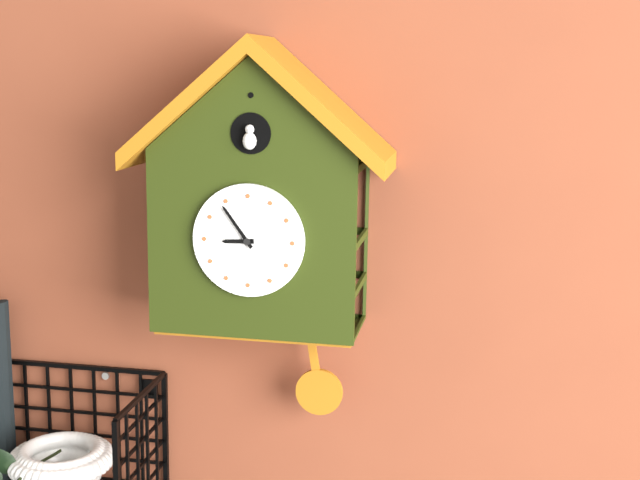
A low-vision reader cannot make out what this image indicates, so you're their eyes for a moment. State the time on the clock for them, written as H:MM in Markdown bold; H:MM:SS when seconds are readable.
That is **8:54**
